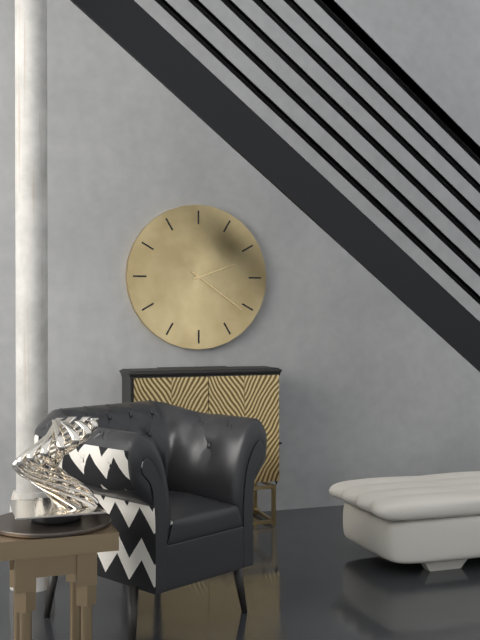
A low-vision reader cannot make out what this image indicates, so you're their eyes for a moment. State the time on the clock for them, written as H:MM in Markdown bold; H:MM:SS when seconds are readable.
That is **2:21**
